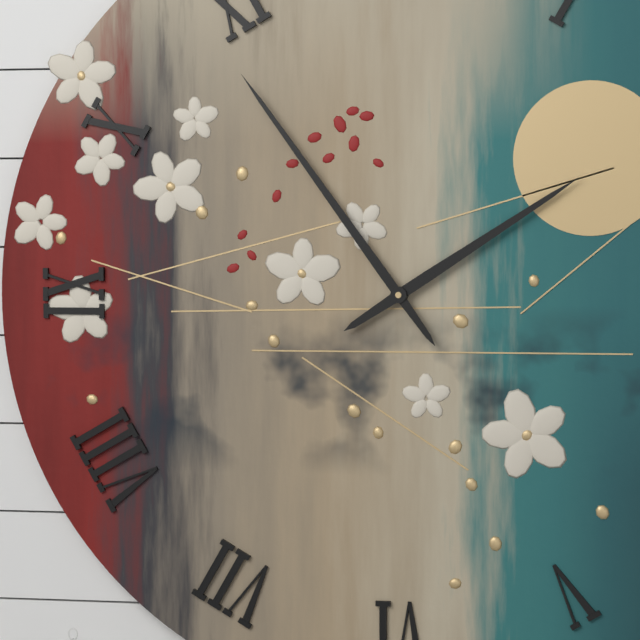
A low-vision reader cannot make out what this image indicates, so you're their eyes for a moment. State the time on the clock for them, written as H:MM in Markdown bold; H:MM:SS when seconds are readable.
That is **1:54**
